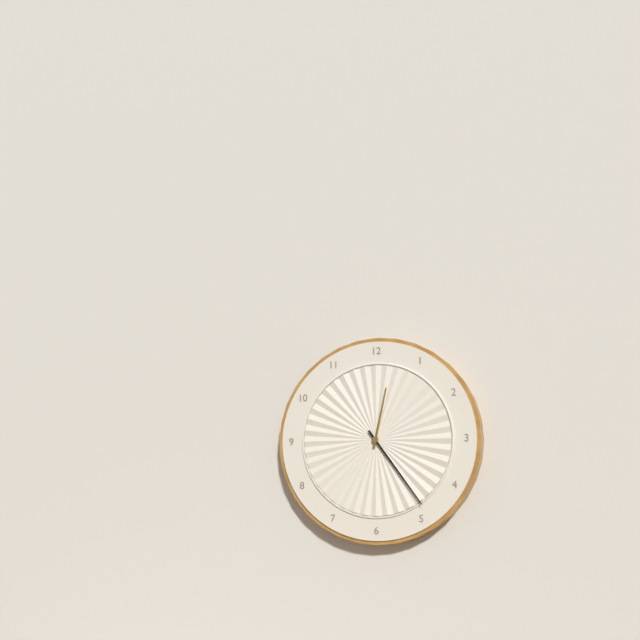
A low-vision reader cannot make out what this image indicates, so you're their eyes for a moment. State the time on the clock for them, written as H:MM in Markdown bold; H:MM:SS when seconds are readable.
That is **12:24**
